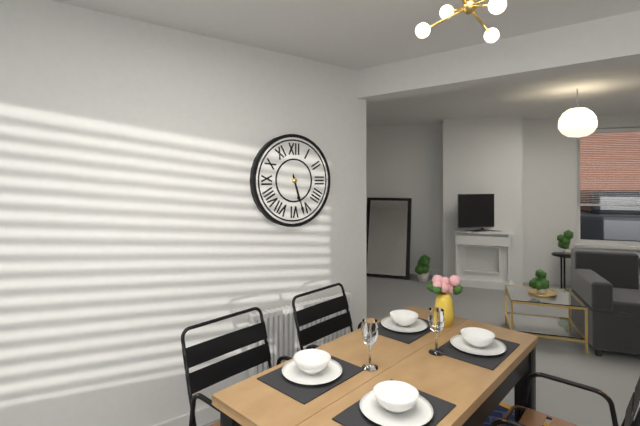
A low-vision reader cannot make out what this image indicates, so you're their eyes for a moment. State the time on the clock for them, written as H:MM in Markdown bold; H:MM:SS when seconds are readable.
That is **5:27**
